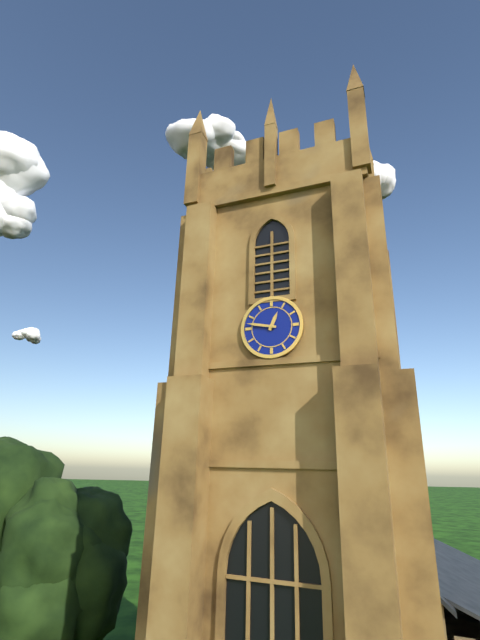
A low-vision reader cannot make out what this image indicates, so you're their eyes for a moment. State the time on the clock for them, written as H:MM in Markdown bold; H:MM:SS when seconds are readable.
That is **12:47**
